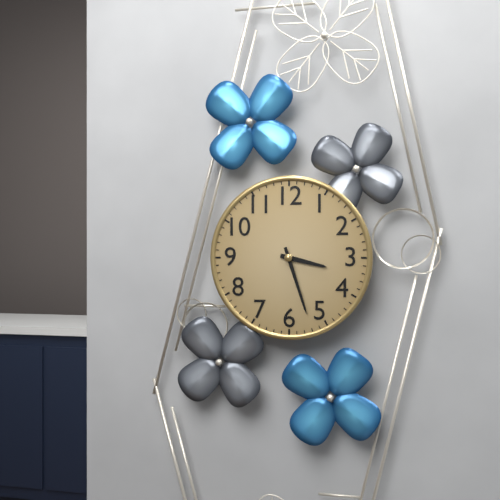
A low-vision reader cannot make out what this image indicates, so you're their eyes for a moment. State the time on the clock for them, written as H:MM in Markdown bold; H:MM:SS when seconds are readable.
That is **3:27**
